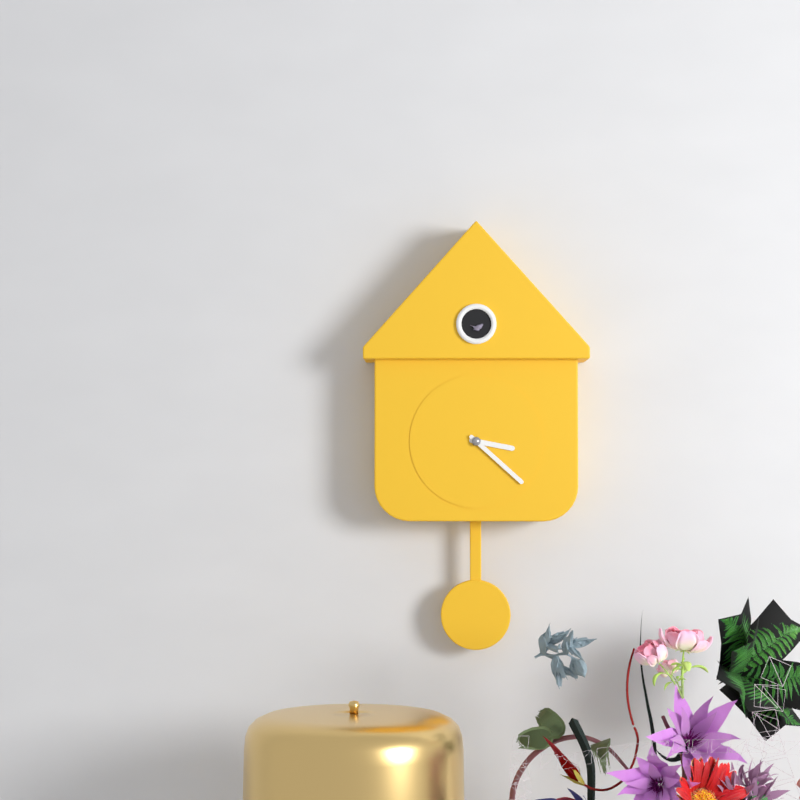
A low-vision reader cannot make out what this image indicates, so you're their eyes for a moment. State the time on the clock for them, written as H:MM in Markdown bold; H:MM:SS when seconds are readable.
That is **3:22**
